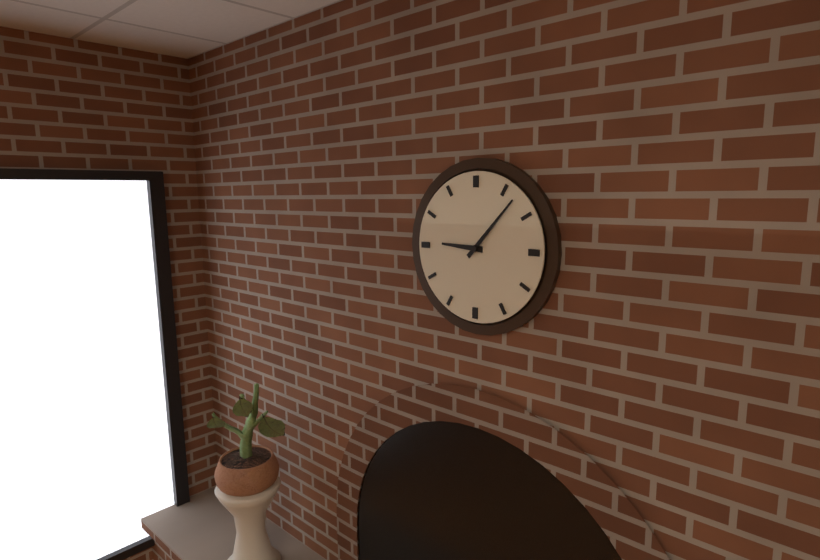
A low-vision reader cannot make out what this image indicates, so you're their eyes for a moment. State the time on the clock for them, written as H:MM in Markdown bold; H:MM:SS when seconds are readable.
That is **9:07**
